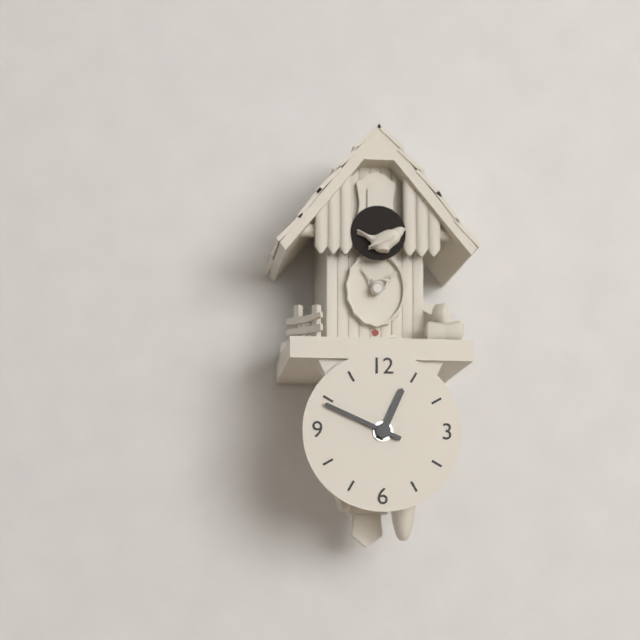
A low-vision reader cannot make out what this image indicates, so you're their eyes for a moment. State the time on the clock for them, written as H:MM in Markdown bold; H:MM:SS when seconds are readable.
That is **12:49**
